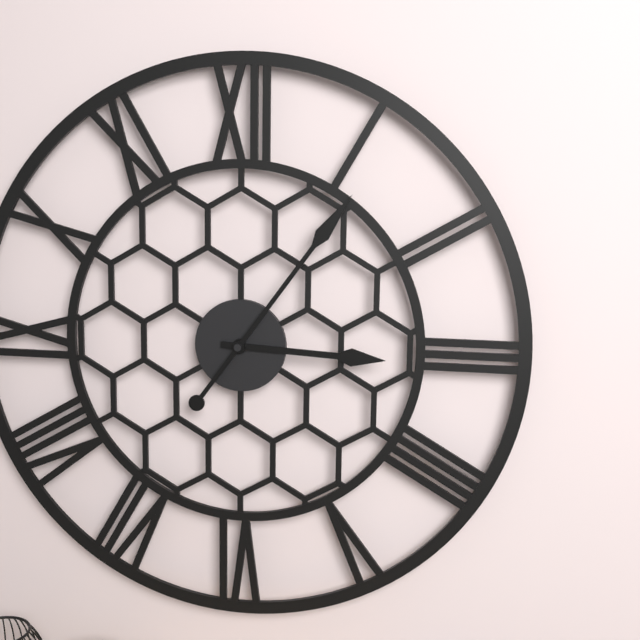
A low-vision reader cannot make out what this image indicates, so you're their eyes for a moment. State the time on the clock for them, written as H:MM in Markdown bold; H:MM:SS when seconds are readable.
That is **3:06**
